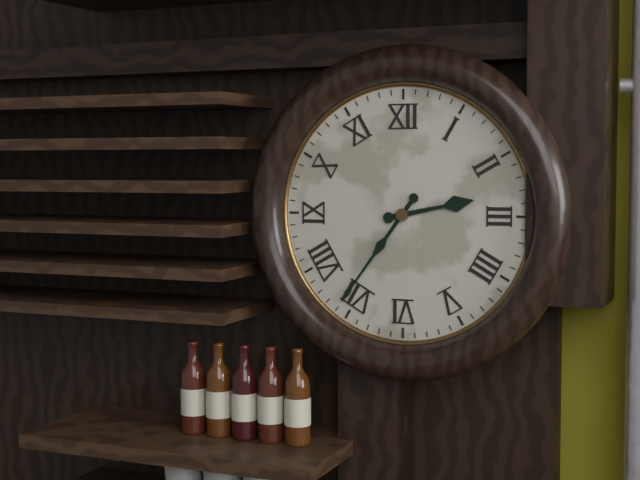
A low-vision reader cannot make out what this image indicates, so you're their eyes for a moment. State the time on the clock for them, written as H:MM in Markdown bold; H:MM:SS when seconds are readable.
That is **2:36**
